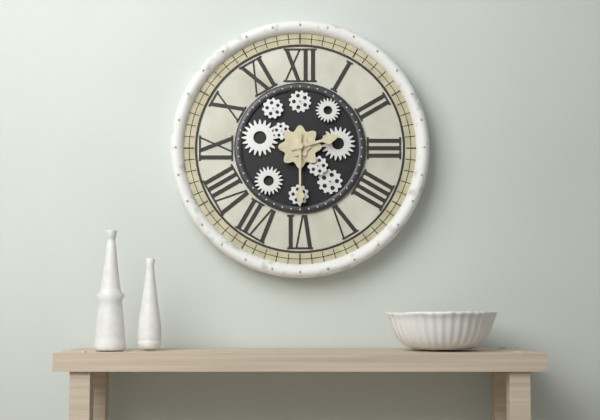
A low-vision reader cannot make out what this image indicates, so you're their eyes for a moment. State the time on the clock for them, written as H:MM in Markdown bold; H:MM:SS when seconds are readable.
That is **2:30**
